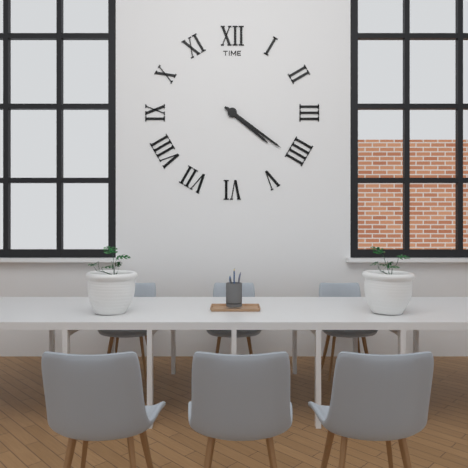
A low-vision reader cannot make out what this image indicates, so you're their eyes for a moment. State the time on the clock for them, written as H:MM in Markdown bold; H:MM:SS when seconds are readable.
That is **4:21**
